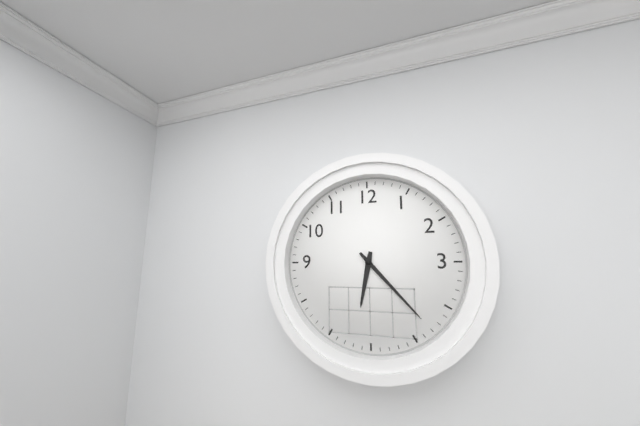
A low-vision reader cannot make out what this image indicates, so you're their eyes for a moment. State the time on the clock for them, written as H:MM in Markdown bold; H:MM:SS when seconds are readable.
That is **6:23**
